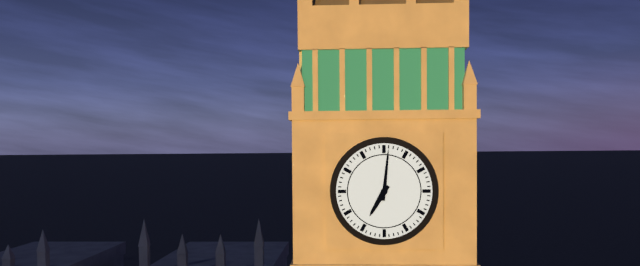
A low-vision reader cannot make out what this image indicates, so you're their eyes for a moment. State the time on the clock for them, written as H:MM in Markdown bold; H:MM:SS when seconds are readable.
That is **7:01**
